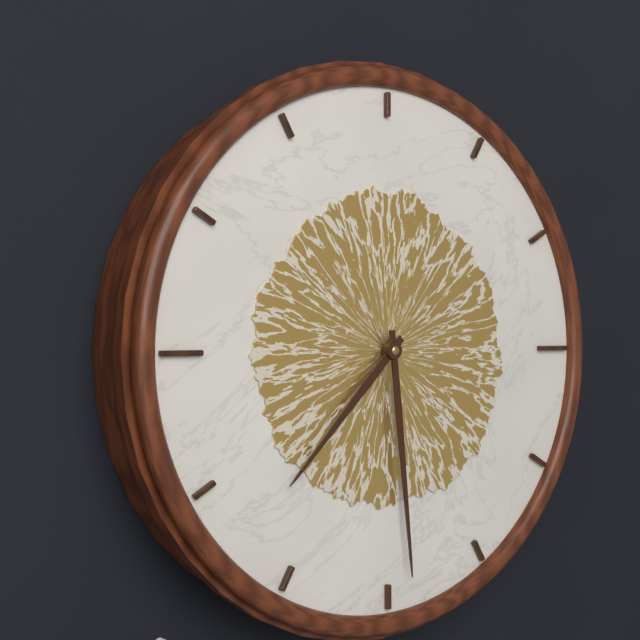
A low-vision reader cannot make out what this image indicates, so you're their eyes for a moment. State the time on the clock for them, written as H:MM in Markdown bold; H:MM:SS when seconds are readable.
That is **7:29**
